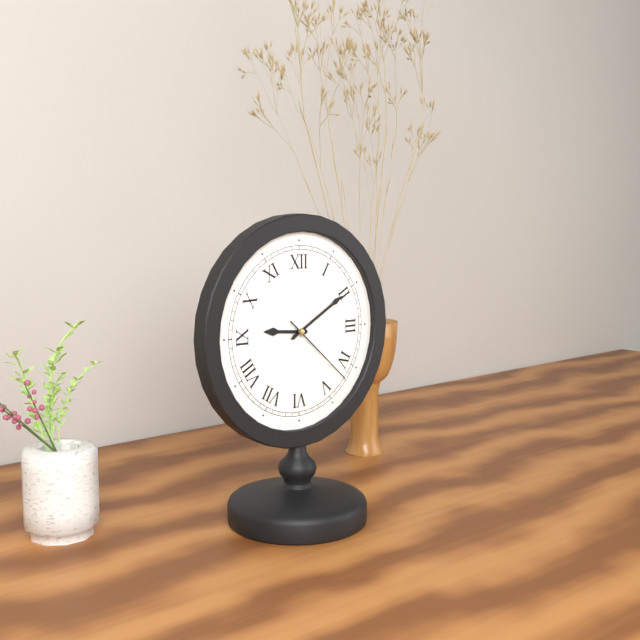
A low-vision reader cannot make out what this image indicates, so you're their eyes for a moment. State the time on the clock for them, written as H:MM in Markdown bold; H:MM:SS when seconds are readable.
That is **9:10:22**
